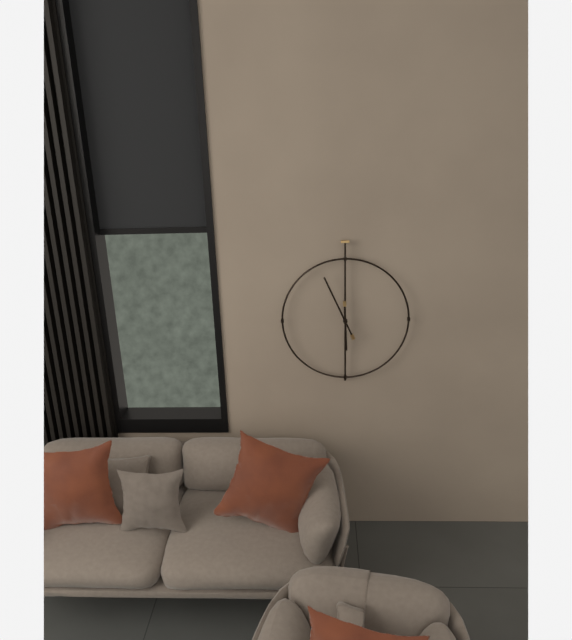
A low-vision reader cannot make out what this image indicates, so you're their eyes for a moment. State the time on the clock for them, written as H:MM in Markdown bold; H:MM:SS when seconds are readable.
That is **5:56**
